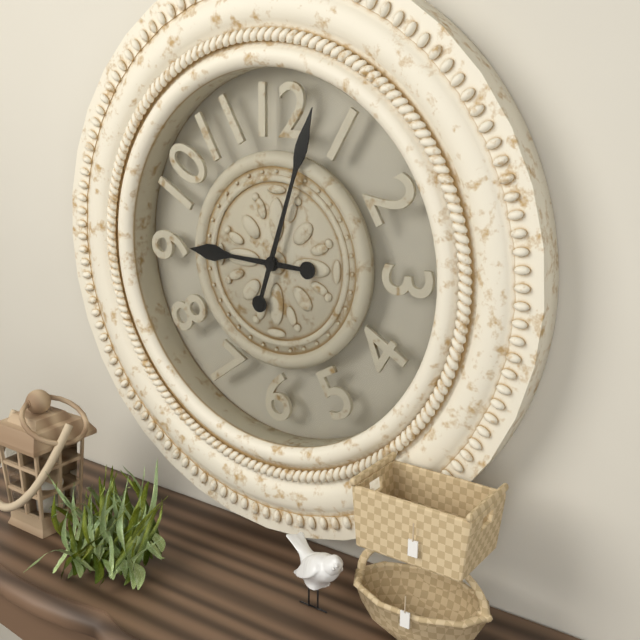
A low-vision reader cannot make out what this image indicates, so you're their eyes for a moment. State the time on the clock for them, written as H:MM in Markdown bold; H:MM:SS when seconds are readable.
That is **9:03**
